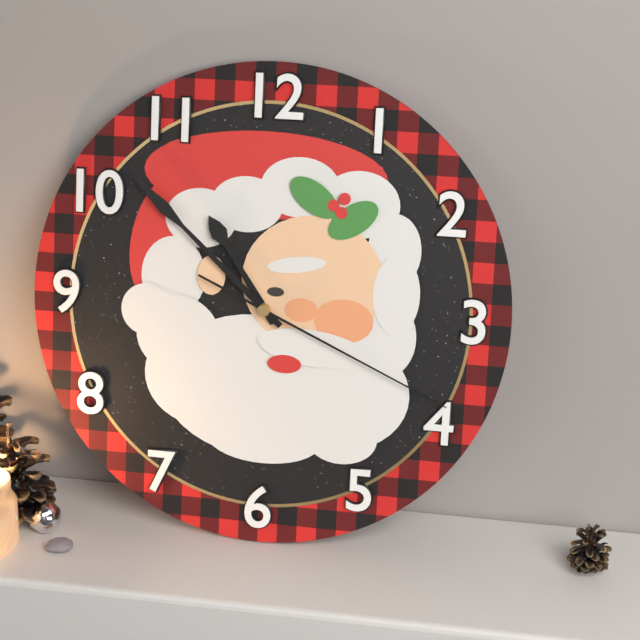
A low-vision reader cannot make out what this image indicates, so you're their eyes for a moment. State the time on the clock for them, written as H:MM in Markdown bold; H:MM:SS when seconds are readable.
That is **10:52:19**
